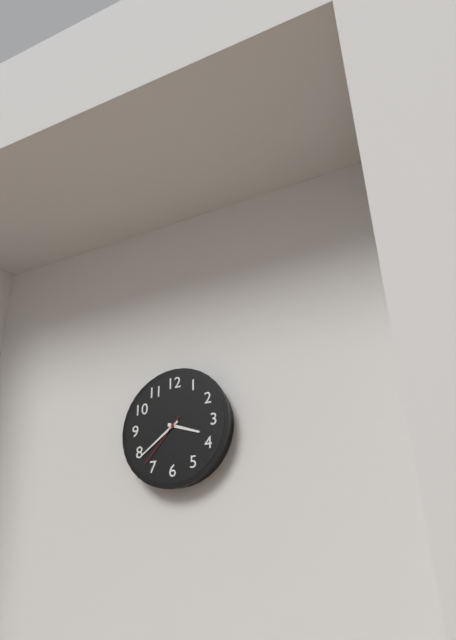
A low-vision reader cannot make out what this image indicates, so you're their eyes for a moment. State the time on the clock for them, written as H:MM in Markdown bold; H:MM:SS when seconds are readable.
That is **3:39:37**
